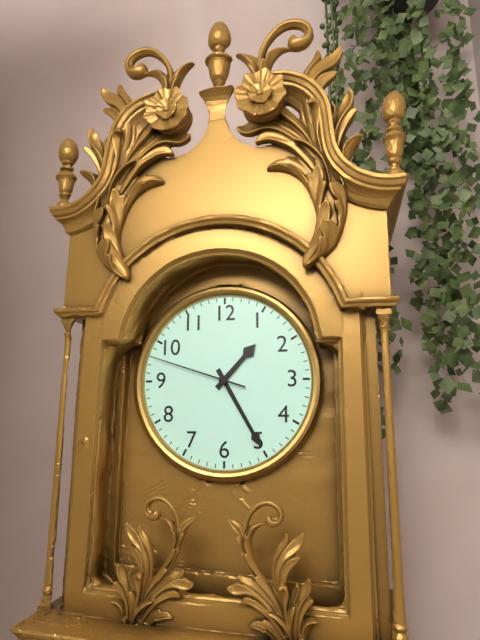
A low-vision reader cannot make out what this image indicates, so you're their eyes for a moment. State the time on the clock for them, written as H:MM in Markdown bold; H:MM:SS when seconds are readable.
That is **1:25:48**
